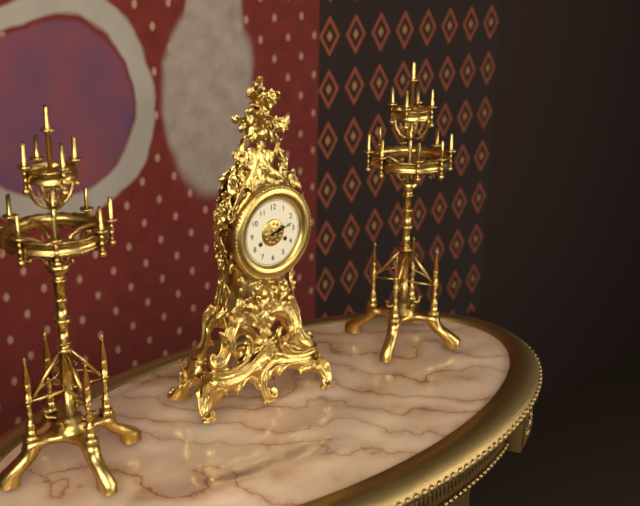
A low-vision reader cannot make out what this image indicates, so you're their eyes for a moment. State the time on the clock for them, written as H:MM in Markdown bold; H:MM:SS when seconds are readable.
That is **2:12**
